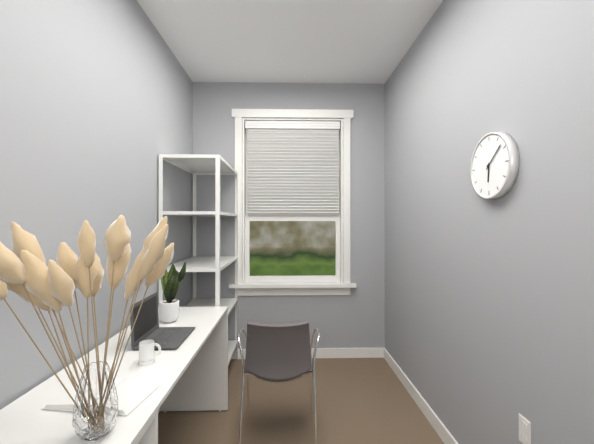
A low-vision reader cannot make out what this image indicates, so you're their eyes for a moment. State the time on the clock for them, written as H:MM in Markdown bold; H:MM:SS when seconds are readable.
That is **6:08**
